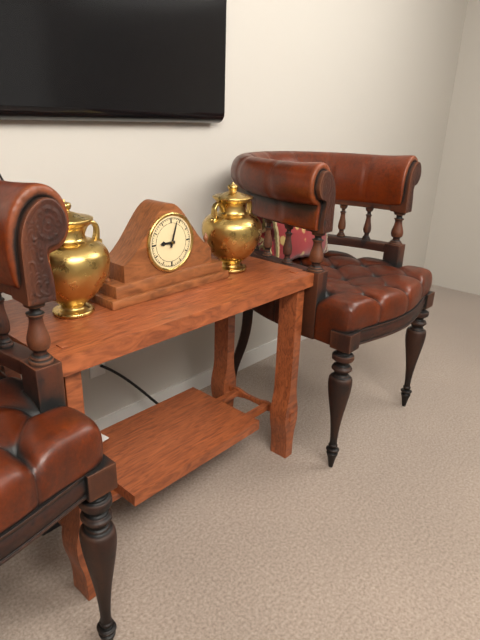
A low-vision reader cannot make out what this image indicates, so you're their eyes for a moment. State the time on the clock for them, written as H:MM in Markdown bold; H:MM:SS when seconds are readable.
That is **9:03**
